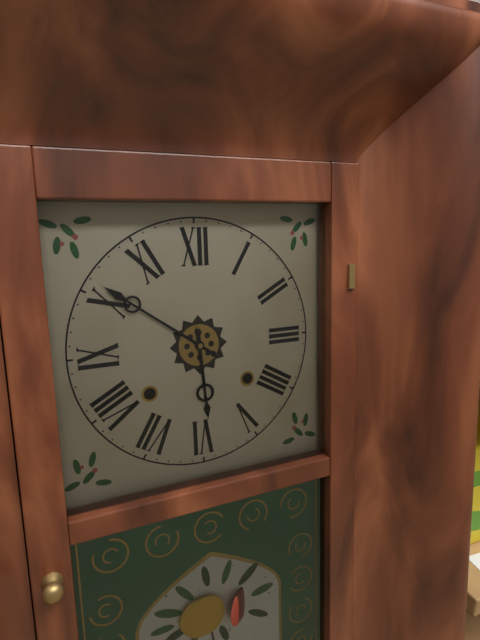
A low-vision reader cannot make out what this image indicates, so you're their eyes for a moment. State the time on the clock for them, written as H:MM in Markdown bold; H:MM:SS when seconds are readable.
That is **5:51**
